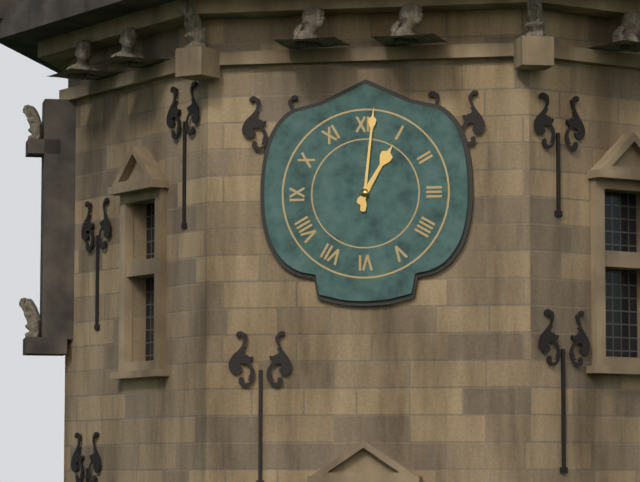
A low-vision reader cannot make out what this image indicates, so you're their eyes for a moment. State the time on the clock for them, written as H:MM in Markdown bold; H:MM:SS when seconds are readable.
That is **1:01**
